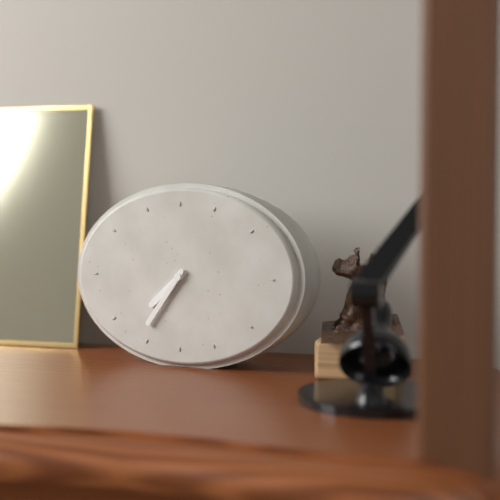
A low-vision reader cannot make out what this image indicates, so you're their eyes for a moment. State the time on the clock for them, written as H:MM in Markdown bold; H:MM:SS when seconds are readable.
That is **7:36**
